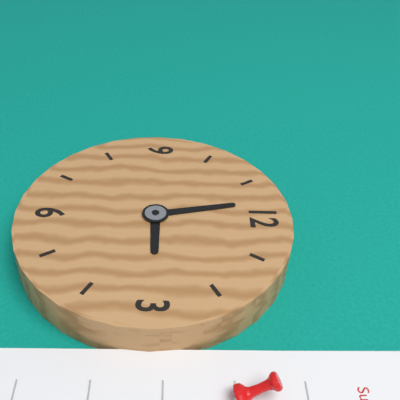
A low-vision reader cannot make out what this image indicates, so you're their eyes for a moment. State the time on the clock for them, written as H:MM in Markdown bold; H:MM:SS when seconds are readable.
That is **2:58**
